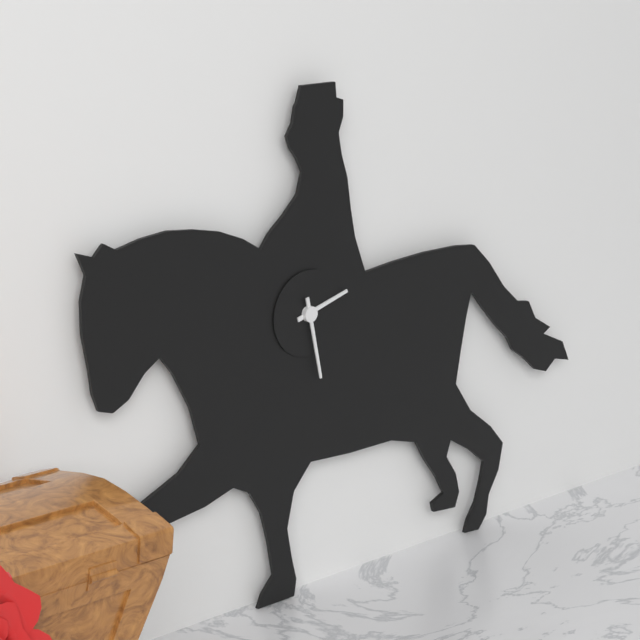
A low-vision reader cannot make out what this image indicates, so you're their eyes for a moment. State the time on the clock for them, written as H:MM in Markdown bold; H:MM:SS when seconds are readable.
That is **2:28**
